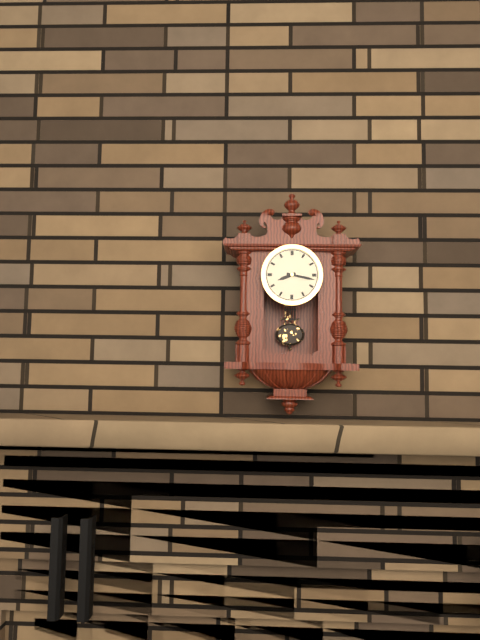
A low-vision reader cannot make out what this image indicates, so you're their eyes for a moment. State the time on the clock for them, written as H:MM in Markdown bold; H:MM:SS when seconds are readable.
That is **8:17**
